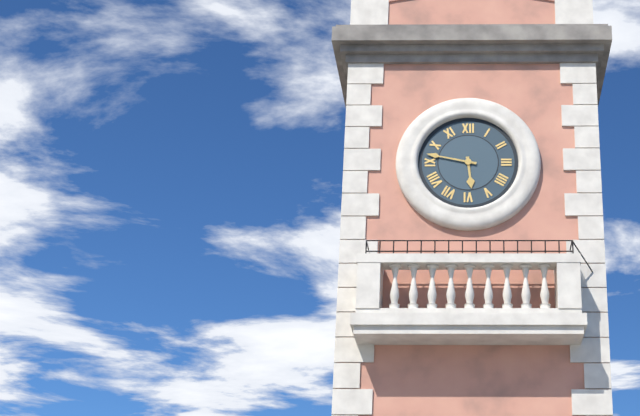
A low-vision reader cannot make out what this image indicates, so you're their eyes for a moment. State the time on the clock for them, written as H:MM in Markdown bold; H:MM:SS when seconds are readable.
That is **5:47**
